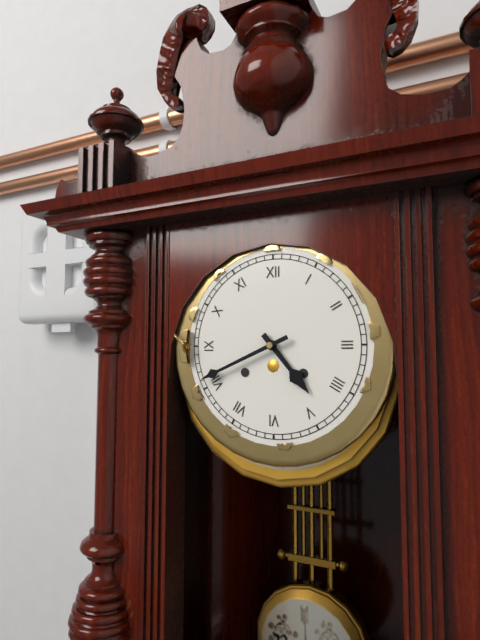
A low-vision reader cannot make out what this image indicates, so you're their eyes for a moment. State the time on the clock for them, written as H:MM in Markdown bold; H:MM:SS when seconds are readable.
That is **4:41**
